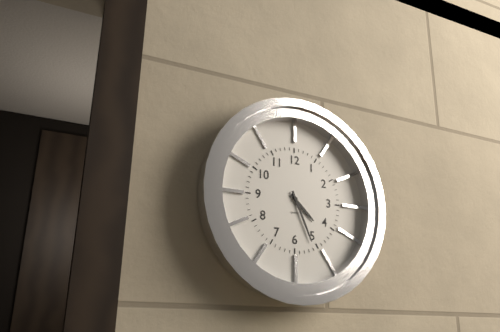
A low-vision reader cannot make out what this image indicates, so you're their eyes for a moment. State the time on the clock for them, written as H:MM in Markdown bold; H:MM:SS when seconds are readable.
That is **4:26**
